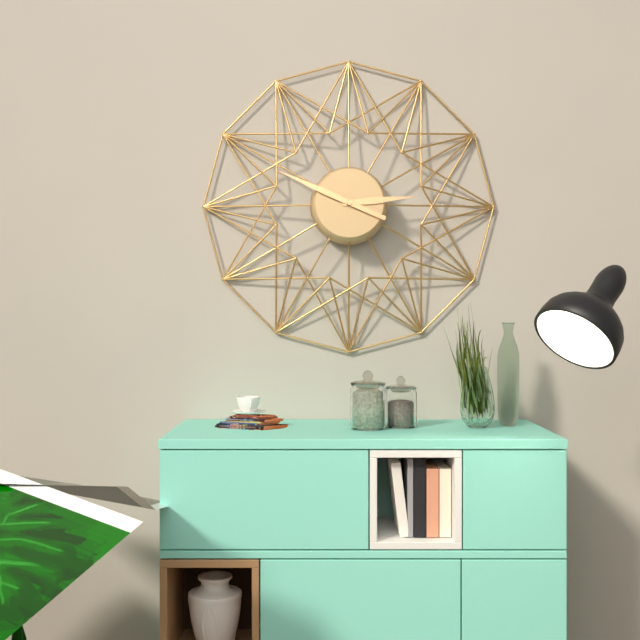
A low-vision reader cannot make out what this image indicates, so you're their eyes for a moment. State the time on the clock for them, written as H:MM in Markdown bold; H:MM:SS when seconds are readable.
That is **2:49**
